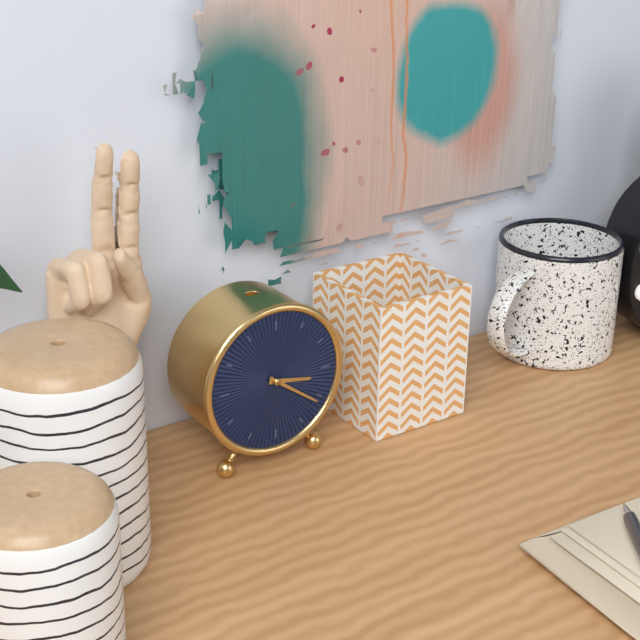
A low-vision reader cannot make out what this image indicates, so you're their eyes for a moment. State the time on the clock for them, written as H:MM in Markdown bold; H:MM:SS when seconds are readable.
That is **3:21**
